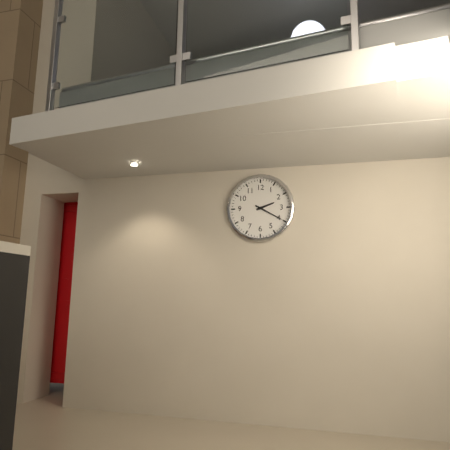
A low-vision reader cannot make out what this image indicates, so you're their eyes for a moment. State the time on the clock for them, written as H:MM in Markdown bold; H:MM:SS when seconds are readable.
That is **2:20**
